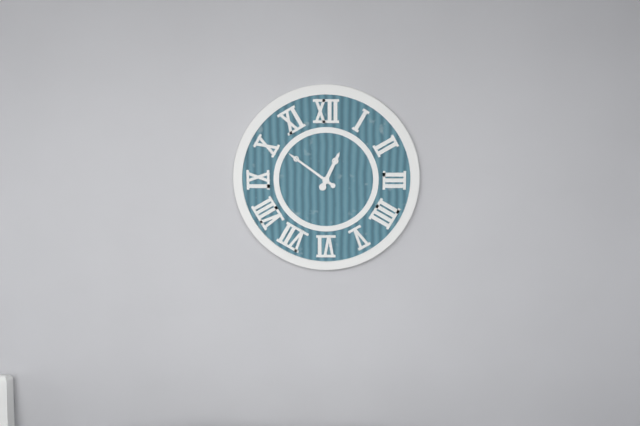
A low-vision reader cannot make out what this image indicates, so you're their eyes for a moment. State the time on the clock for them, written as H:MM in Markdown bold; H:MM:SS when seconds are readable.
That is **12:51**
